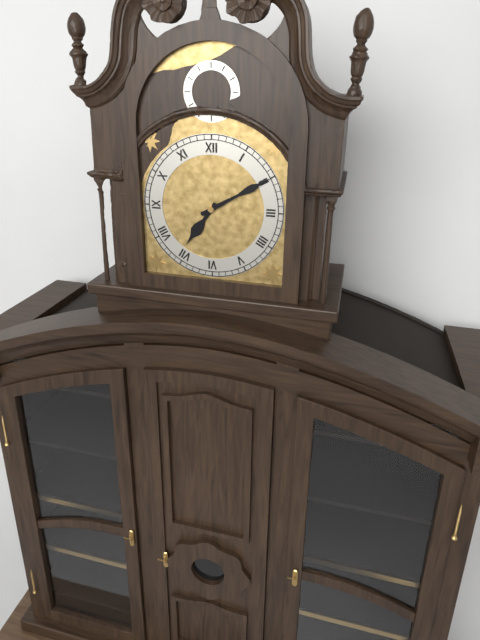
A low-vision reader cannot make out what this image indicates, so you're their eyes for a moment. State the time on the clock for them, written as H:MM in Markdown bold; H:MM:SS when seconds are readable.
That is **7:10**
